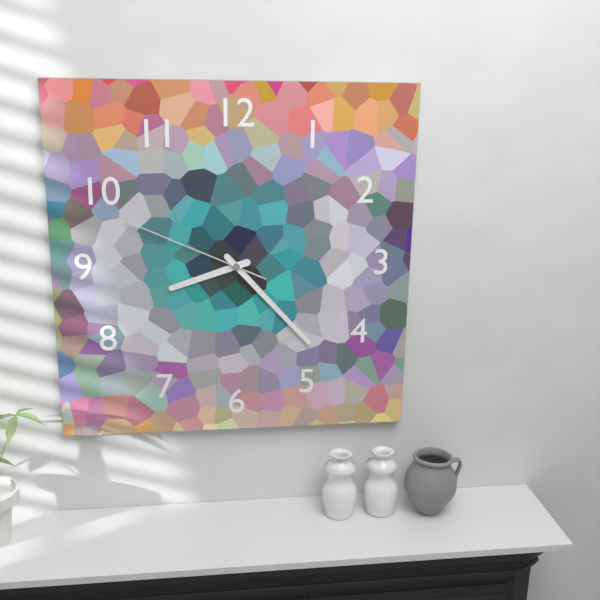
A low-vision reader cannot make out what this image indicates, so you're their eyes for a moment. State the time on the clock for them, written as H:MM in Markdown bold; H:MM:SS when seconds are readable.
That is **8:23:49**
